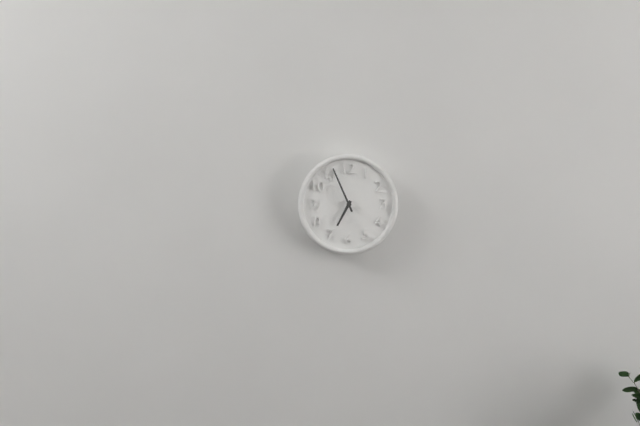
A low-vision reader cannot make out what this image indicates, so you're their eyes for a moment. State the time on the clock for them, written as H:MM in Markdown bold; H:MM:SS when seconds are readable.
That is **6:56**
